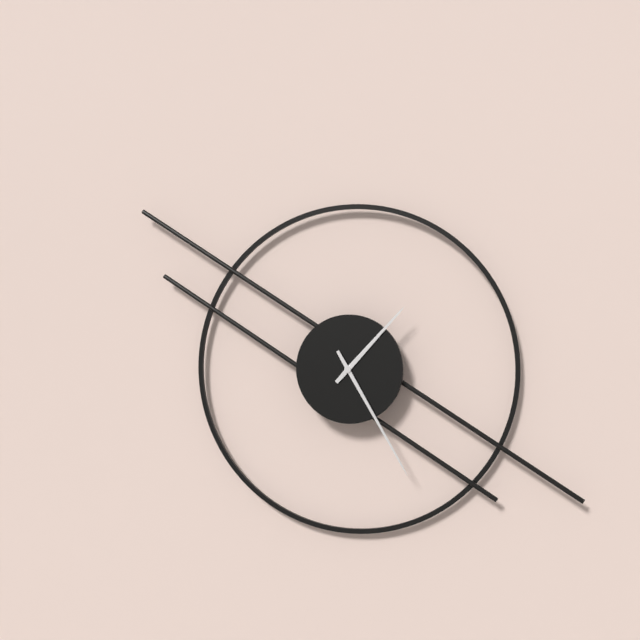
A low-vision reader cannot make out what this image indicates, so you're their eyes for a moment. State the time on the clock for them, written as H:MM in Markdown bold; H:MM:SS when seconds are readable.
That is **1:25**
